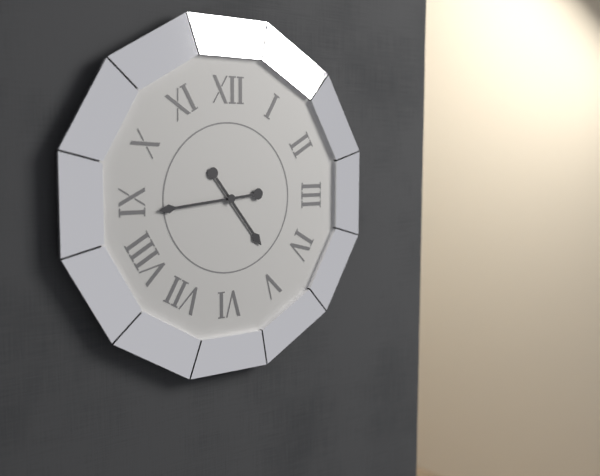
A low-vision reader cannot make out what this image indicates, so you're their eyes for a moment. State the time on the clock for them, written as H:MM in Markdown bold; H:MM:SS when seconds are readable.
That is **4:44**
